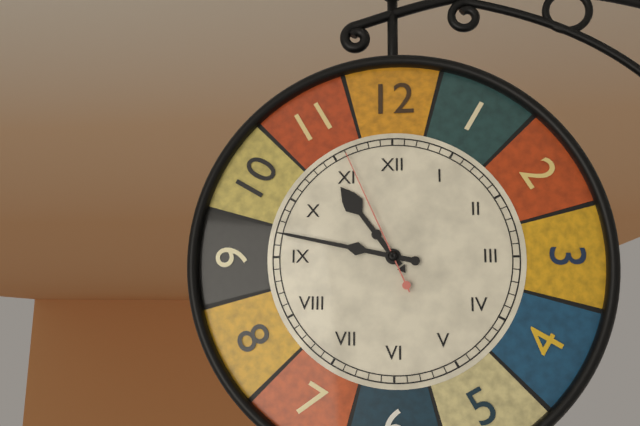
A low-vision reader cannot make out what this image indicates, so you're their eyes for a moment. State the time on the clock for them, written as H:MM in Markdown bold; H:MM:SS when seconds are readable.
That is **10:47:56**
